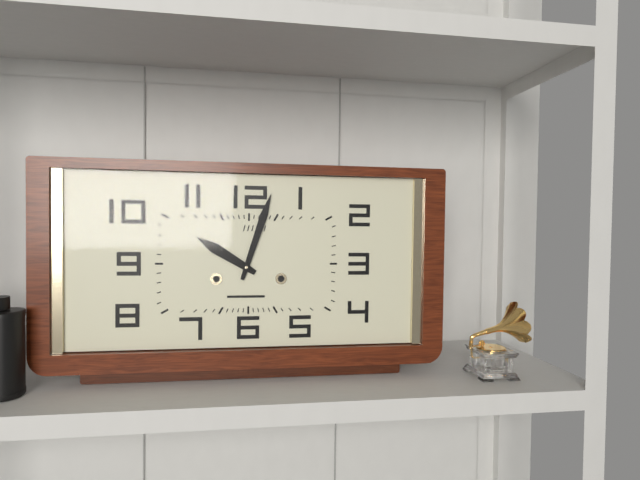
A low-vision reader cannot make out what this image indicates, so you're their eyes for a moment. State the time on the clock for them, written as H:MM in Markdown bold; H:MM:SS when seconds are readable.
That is **10:03**
